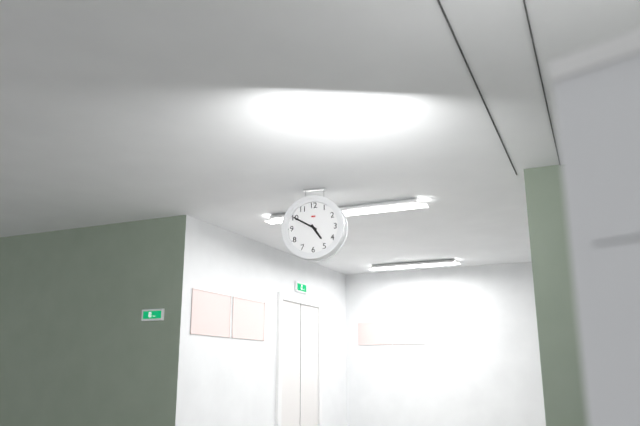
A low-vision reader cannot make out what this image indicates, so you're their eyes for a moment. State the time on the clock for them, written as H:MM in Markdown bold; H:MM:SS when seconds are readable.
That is **4:50**
